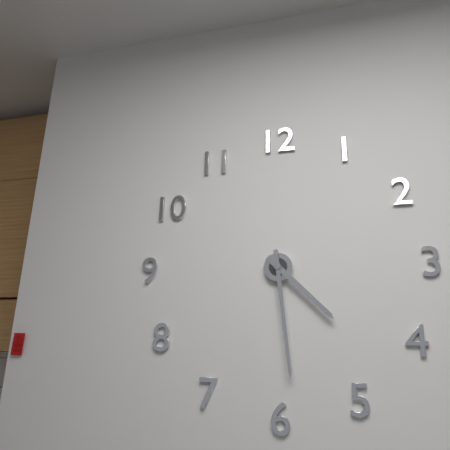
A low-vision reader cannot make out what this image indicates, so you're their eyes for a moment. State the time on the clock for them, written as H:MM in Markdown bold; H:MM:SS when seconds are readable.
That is **4:29**
